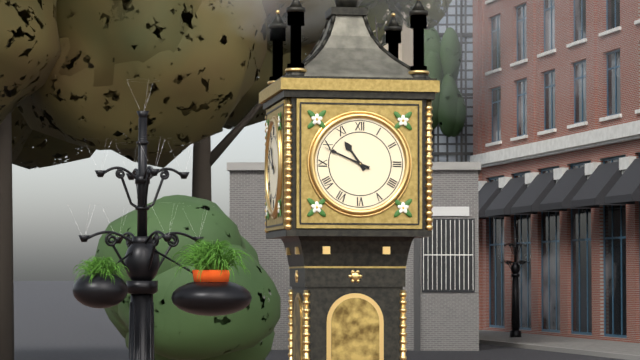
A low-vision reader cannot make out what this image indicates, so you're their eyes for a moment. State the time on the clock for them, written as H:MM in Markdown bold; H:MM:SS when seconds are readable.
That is **10:49**
